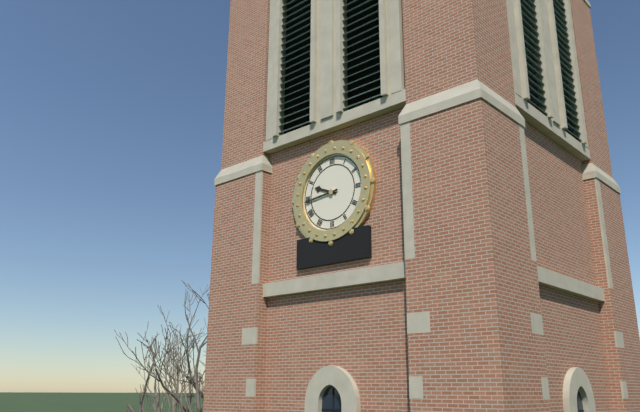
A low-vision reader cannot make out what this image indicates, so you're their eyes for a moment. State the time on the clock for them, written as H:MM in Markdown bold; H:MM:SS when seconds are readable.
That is **9:44**
